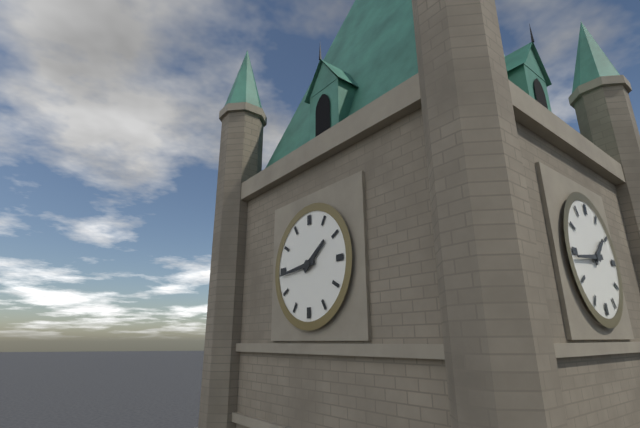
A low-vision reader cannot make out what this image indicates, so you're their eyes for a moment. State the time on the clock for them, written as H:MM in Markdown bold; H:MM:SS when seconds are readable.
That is **1:44**
